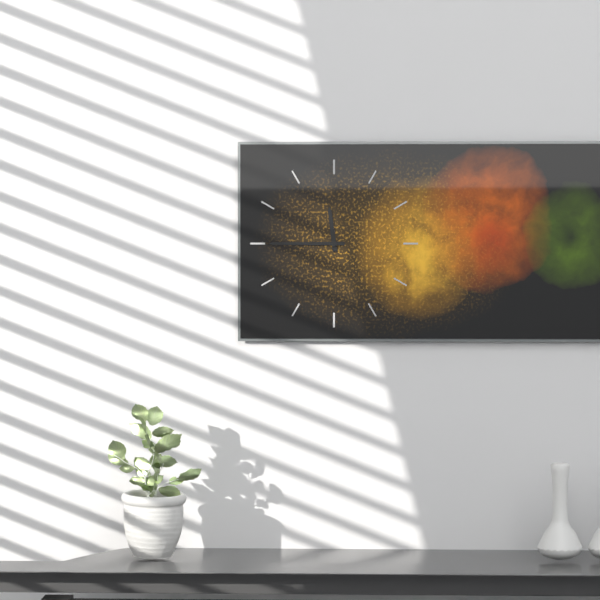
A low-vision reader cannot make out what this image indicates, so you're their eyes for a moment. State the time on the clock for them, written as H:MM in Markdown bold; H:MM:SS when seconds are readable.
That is **11:45**
